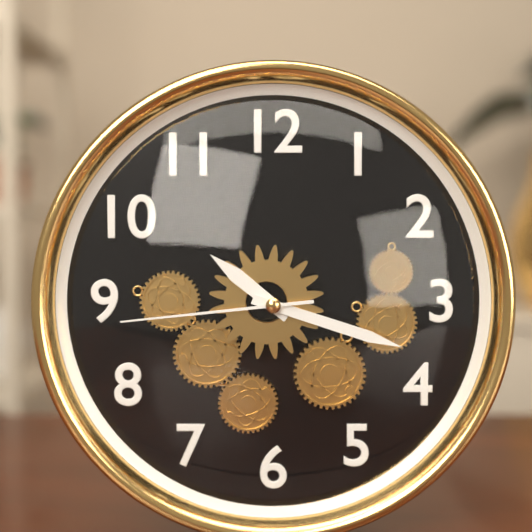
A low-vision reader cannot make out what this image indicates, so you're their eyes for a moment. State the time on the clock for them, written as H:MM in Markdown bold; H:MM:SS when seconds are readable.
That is **10:18:44**
